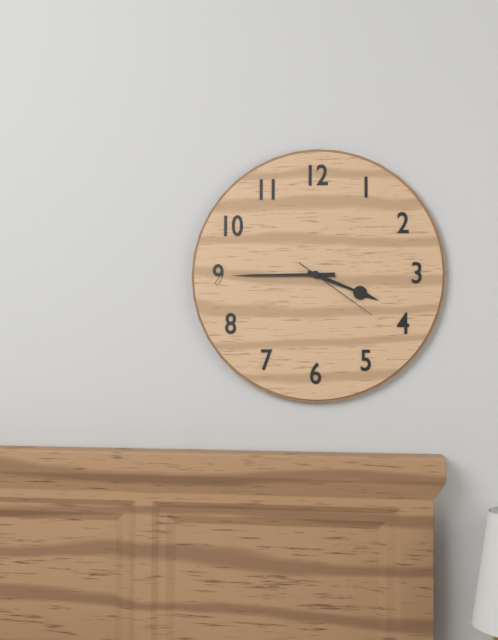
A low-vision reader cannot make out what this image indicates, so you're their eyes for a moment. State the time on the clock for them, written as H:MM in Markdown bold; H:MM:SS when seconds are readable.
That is **3:45:21**
